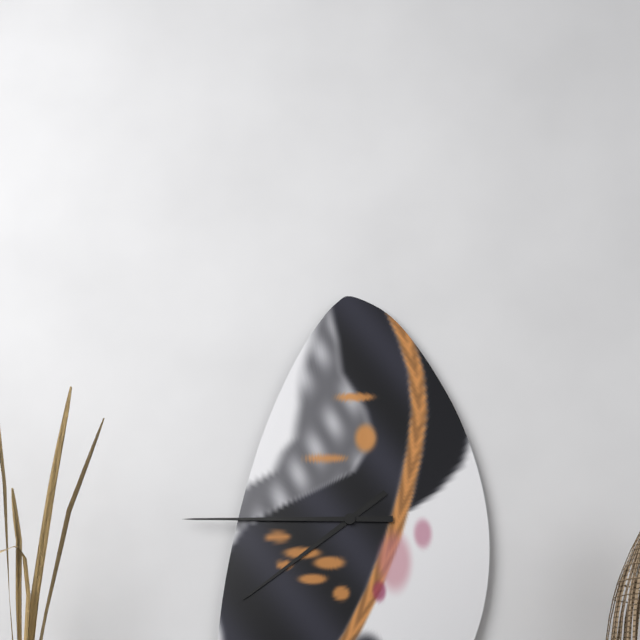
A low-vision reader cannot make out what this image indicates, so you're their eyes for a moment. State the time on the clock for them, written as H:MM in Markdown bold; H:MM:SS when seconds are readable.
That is **7:45**
